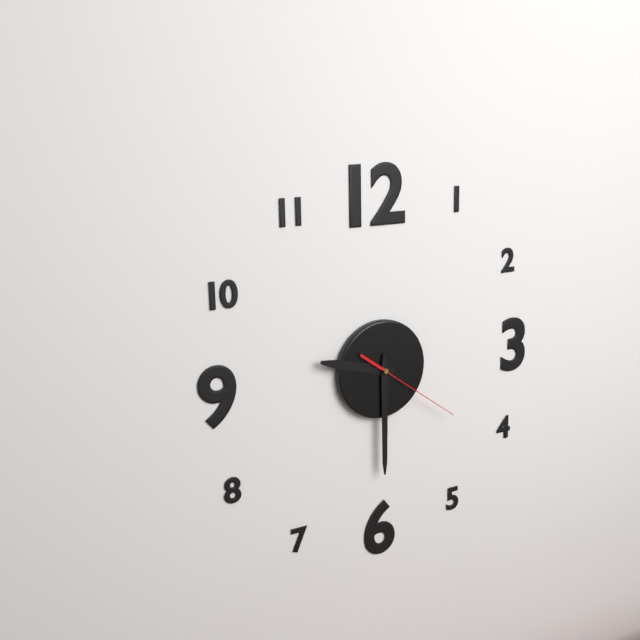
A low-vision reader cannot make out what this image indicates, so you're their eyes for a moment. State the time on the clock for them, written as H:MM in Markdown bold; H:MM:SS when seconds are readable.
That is **9:30:21**
